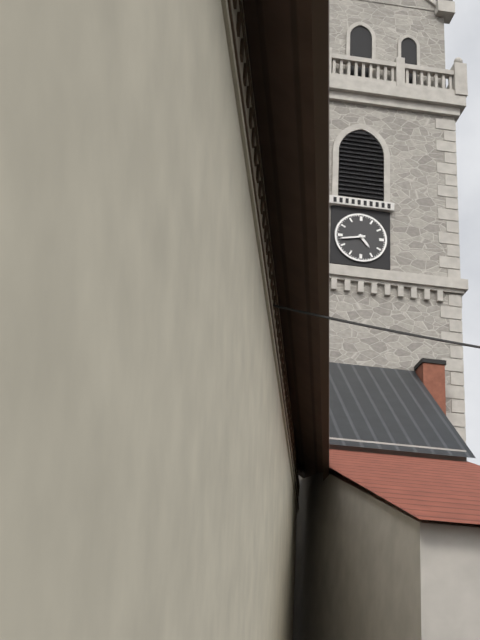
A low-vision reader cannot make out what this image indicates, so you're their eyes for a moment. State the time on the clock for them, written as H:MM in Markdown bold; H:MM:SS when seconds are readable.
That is **4:43**
